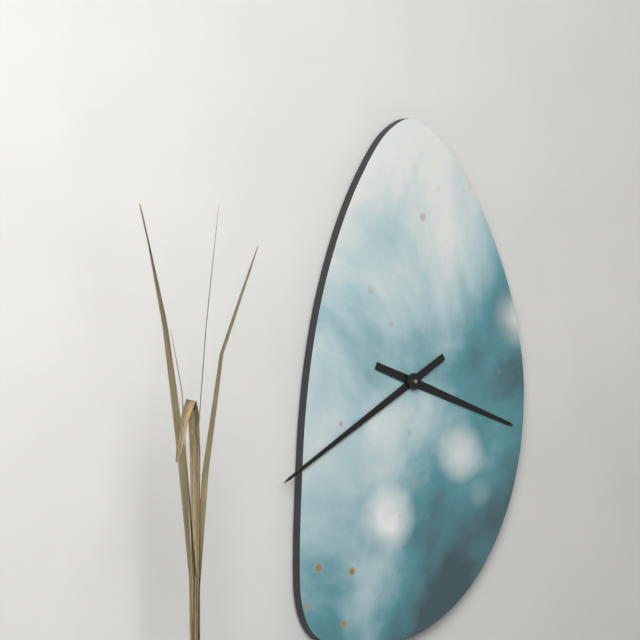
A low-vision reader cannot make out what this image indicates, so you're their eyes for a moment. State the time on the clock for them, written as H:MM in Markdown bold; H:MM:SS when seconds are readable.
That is **3:40**
